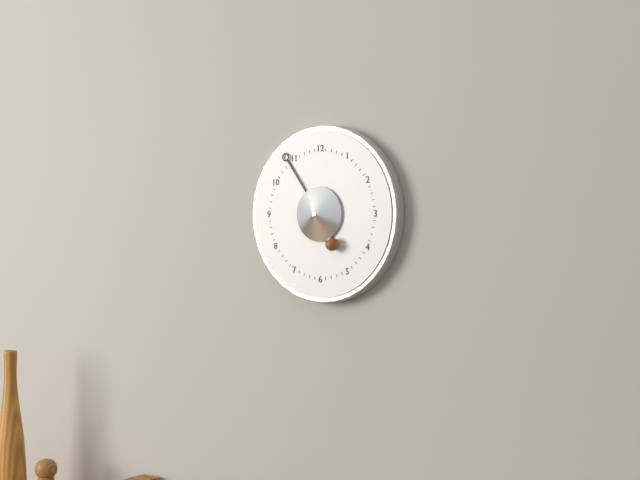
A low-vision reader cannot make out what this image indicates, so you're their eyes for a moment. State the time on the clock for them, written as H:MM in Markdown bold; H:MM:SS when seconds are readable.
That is **4:54**
